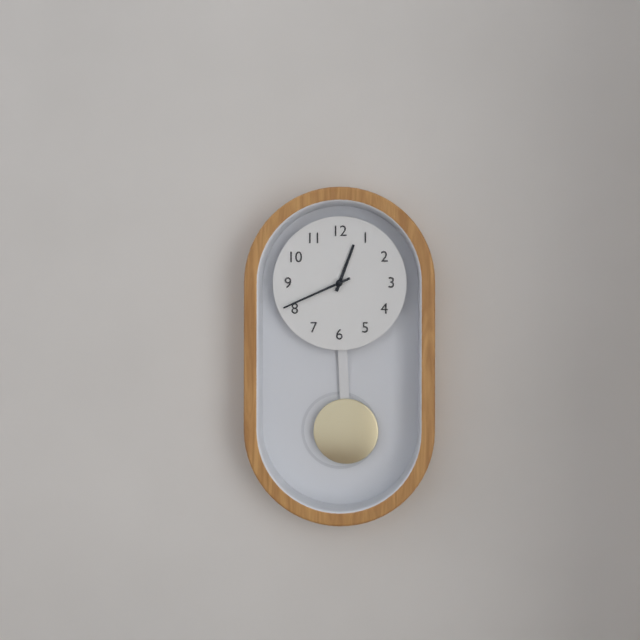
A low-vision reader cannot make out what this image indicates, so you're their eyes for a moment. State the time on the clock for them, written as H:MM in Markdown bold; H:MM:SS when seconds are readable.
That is **12:41**
